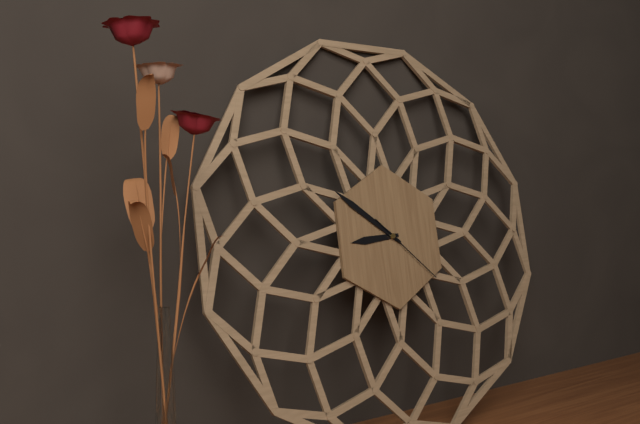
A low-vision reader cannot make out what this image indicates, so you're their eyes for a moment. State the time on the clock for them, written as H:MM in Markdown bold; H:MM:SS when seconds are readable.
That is **8:51:22**
